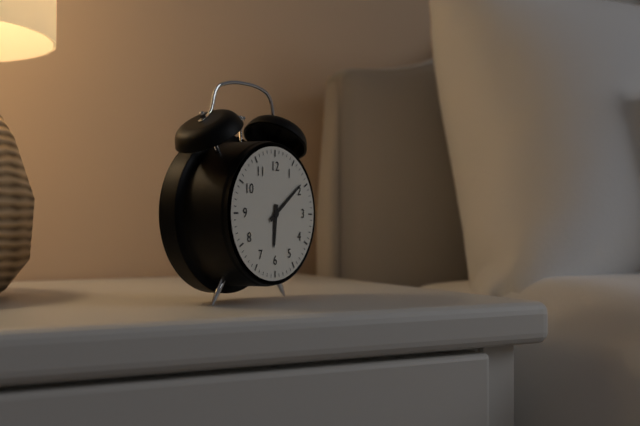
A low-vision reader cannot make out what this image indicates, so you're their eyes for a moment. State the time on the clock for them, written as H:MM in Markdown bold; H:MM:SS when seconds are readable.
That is **6:09**
